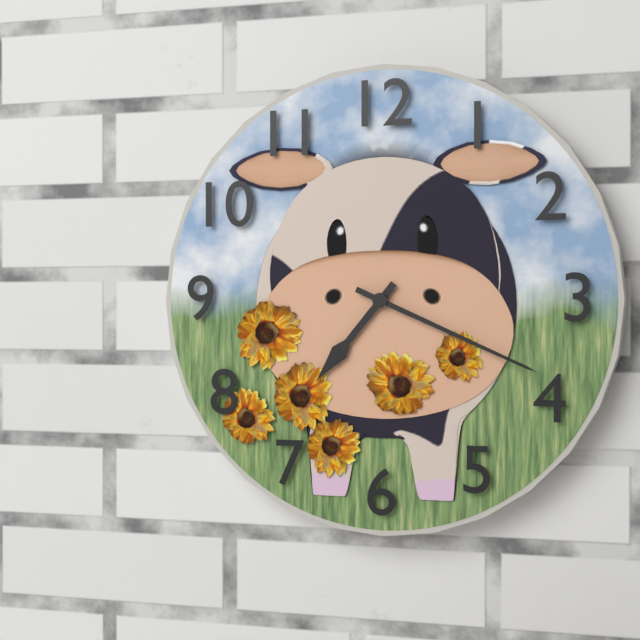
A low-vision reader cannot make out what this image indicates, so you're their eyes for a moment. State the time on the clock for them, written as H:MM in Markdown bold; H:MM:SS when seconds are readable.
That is **7:19**
